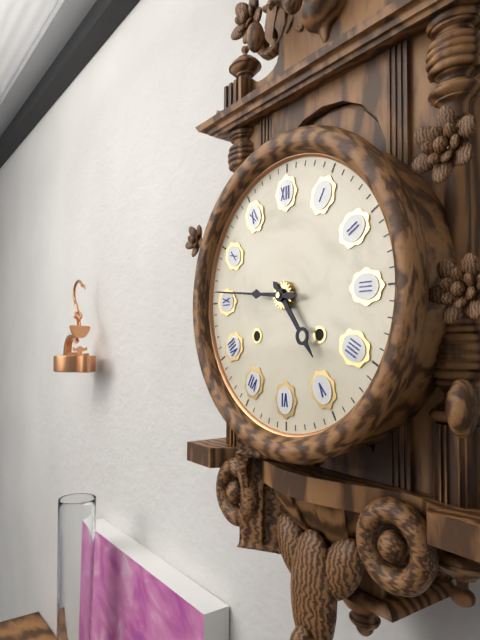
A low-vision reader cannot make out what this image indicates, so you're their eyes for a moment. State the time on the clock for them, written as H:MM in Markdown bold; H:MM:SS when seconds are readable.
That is **4:46**
